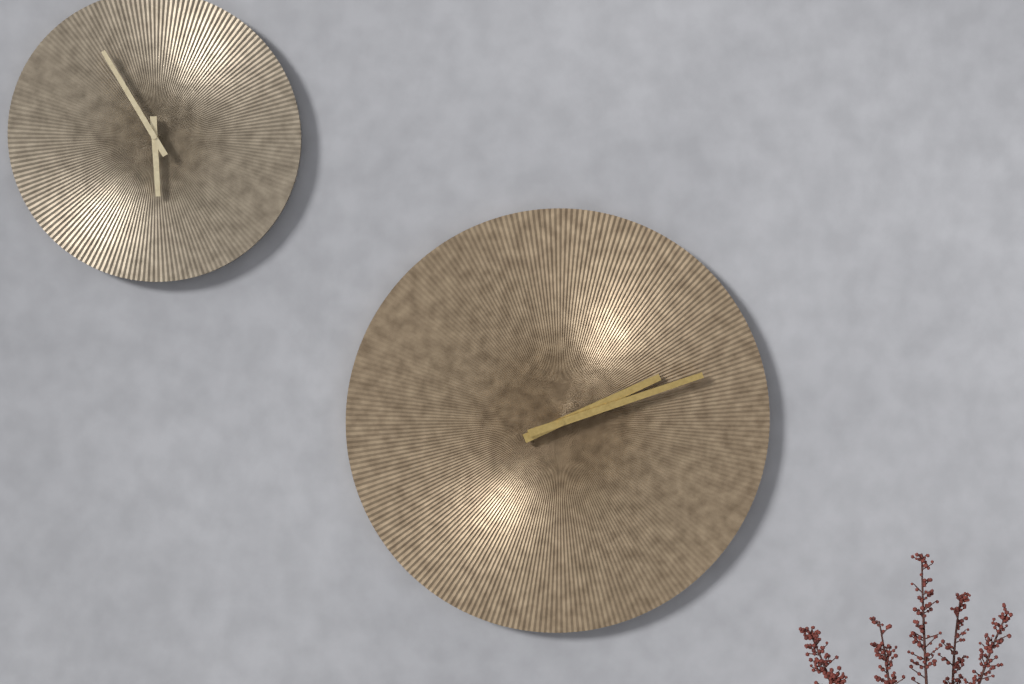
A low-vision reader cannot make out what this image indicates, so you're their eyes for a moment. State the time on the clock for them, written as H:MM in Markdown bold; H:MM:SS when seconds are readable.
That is **2:12**
